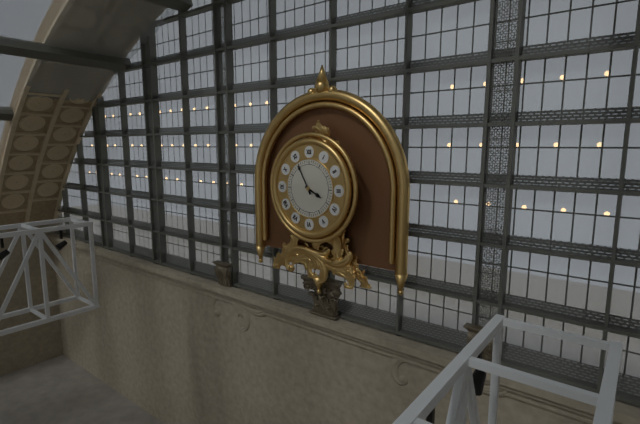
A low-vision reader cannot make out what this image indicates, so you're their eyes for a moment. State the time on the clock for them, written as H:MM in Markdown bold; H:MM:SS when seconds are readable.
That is **3:55**
